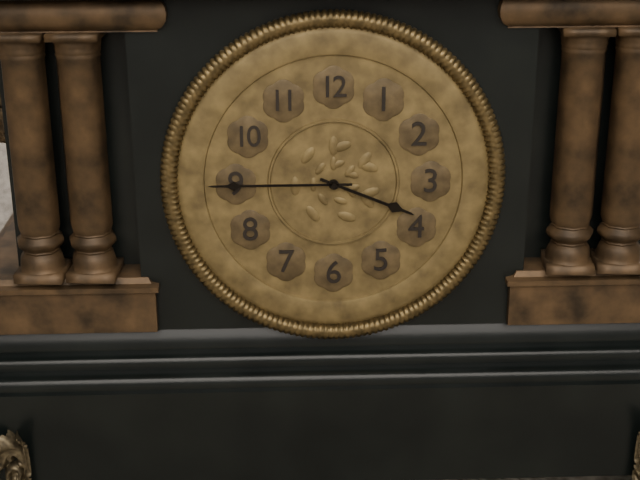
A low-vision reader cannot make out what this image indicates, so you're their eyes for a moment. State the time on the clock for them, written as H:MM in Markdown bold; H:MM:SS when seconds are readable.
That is **3:45**
